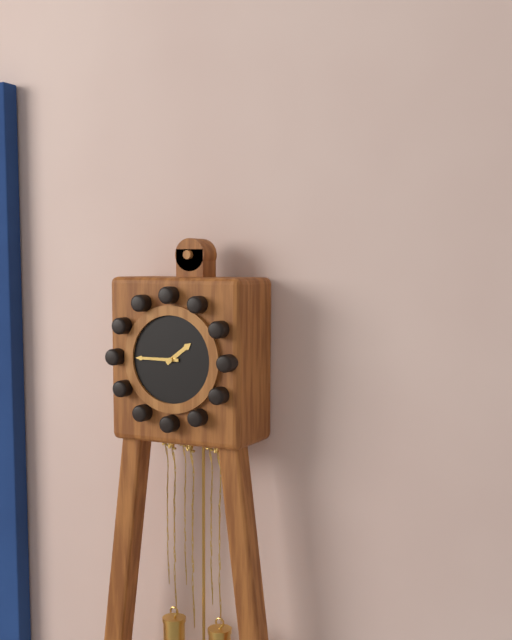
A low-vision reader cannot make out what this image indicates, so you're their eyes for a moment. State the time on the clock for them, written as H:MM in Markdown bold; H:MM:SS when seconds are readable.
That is **1:45**
